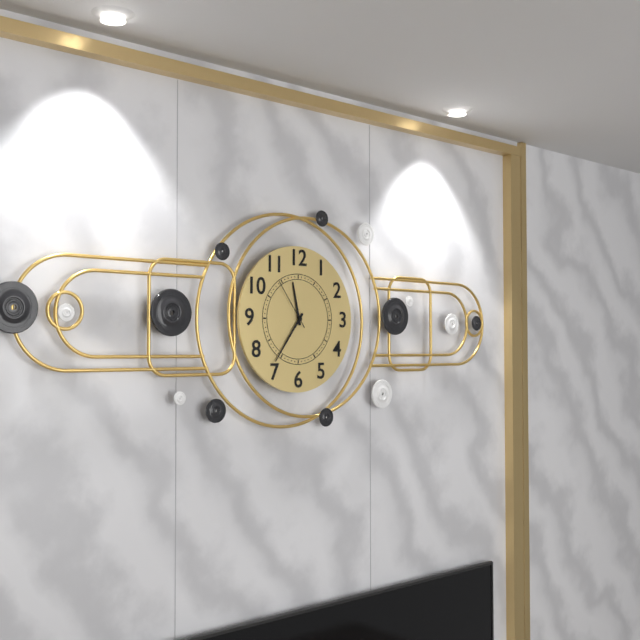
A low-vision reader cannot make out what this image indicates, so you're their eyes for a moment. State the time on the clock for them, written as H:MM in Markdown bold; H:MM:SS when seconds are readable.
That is **11:36:54**
